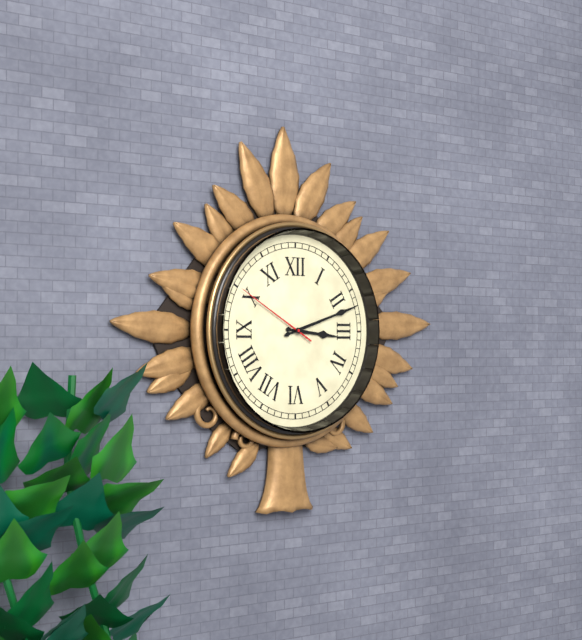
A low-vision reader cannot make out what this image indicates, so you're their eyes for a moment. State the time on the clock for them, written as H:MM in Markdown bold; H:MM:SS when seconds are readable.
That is **3:12:50**
